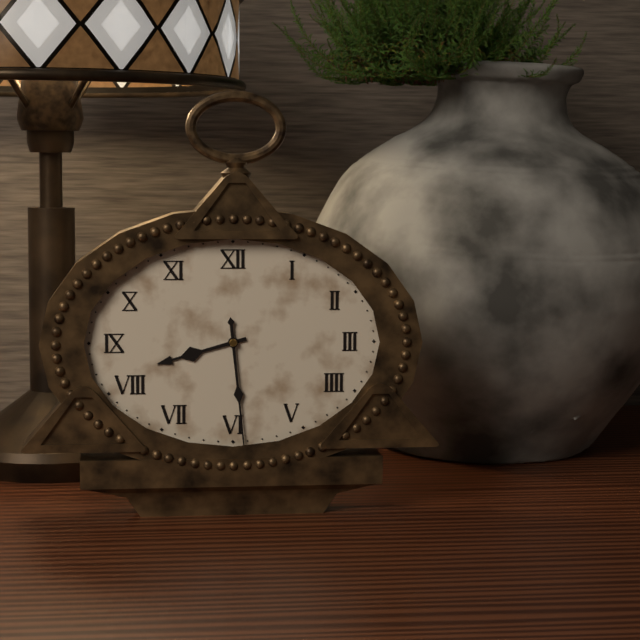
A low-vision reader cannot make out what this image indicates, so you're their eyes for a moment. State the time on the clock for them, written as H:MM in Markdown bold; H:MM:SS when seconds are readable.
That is **8:29**
